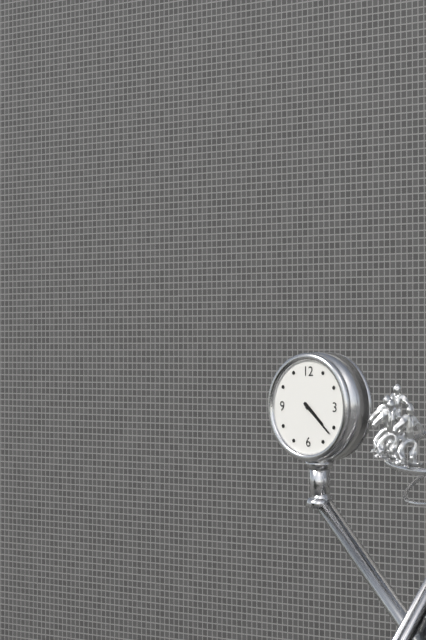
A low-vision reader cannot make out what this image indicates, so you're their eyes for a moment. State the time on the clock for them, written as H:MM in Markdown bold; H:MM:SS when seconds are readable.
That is **4:22**
